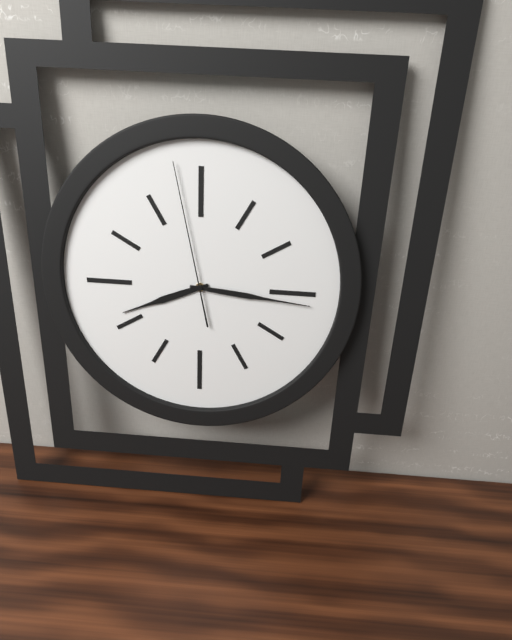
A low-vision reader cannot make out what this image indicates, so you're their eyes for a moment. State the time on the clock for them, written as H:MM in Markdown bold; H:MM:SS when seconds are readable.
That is **8:16:58**
